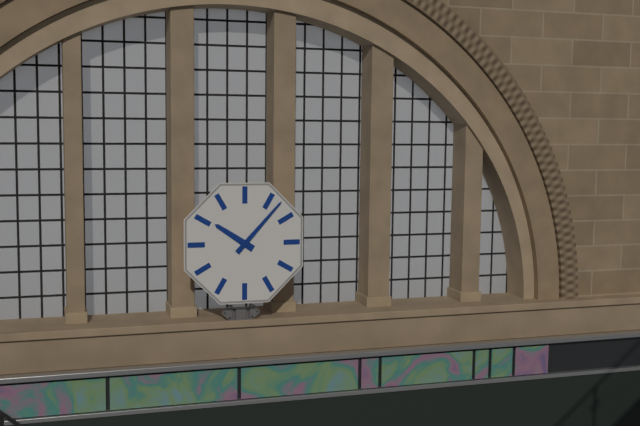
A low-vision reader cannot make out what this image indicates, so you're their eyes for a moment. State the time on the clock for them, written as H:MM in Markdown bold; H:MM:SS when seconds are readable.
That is **10:07**
